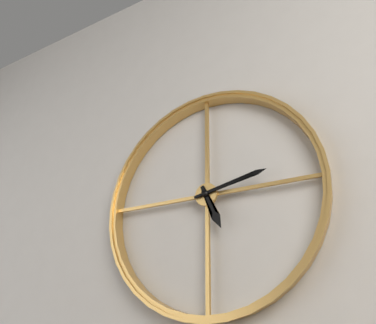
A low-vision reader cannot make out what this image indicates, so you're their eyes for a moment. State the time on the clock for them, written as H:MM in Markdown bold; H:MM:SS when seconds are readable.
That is **5:13**
